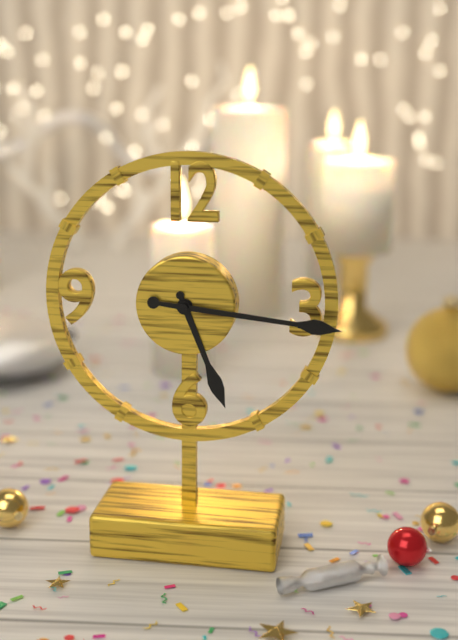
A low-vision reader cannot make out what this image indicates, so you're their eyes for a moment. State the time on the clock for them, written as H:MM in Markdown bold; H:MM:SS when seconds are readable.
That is **5:16**
